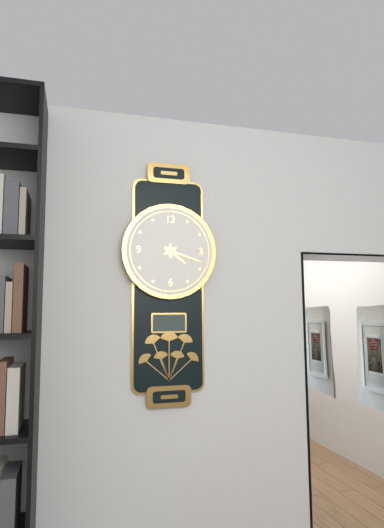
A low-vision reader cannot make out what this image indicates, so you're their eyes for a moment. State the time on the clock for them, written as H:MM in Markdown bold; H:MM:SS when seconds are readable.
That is **4:18**
